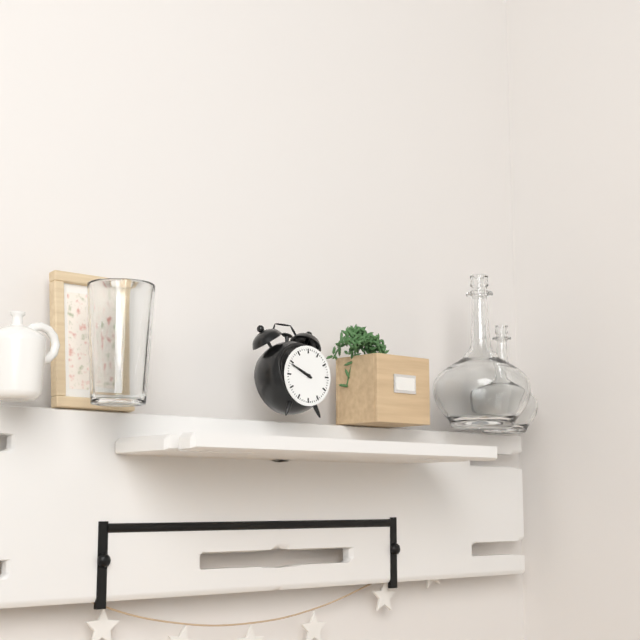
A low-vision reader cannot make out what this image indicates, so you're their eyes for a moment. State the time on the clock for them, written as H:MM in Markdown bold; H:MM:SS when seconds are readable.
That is **9:49**
